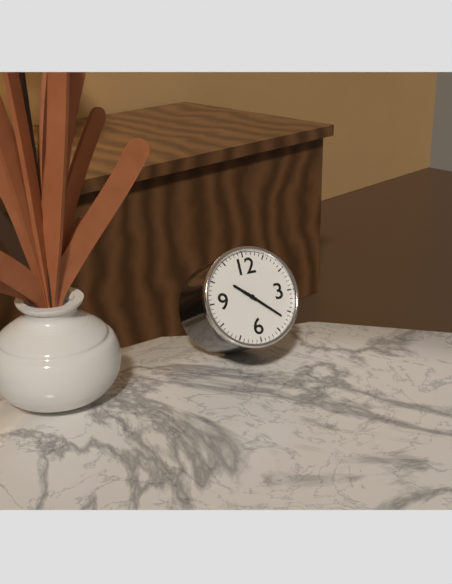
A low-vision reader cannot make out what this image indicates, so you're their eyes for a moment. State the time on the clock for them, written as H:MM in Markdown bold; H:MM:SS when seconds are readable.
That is **10:22**
